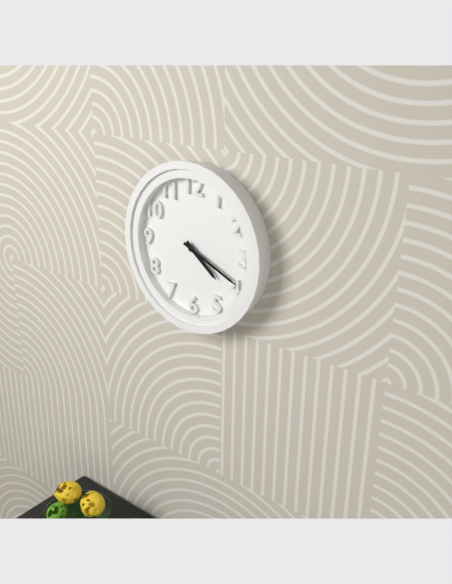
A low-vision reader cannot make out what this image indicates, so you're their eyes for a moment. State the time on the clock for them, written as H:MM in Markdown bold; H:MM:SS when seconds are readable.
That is **4:19**
